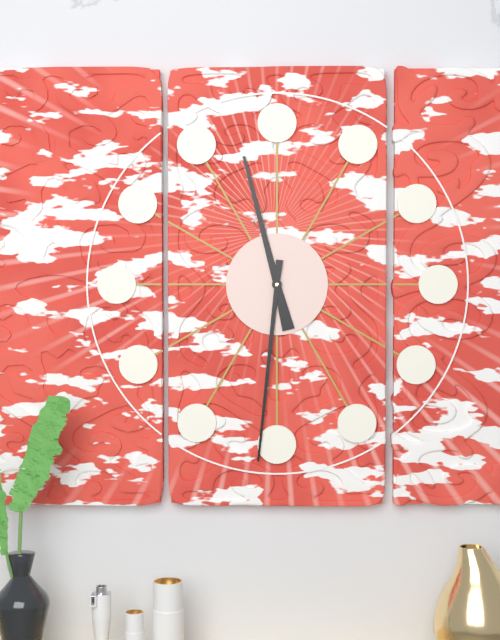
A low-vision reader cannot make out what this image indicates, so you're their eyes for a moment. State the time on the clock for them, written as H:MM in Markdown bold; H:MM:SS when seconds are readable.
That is **11:31**
